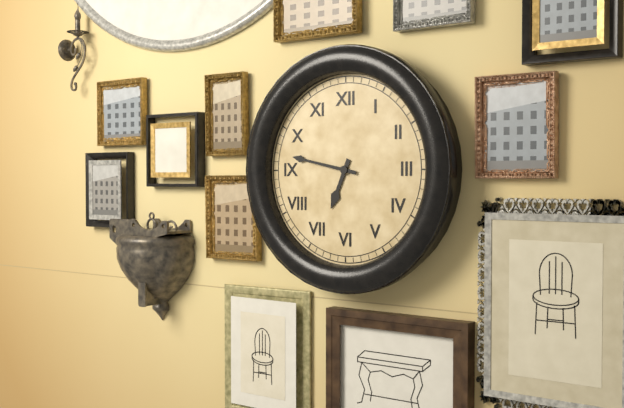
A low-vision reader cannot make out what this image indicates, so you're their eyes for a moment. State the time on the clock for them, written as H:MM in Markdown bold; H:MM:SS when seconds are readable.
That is **6:47**
